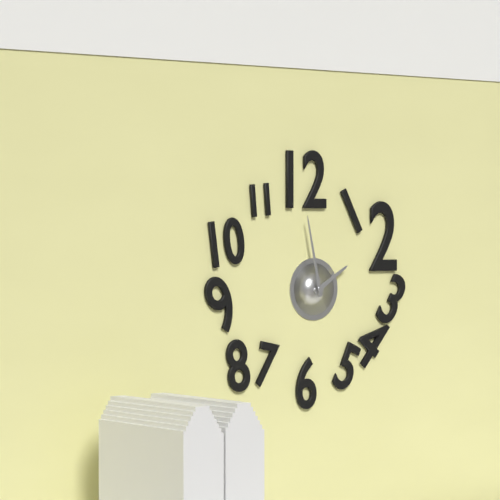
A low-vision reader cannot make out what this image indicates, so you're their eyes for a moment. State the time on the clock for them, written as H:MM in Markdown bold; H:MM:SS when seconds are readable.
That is **1:58**
